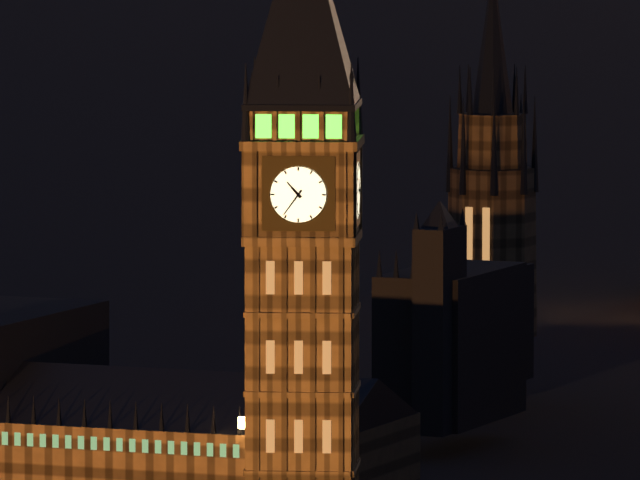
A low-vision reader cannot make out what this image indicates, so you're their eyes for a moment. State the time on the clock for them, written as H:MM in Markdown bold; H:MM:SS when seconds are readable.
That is **10:36**
